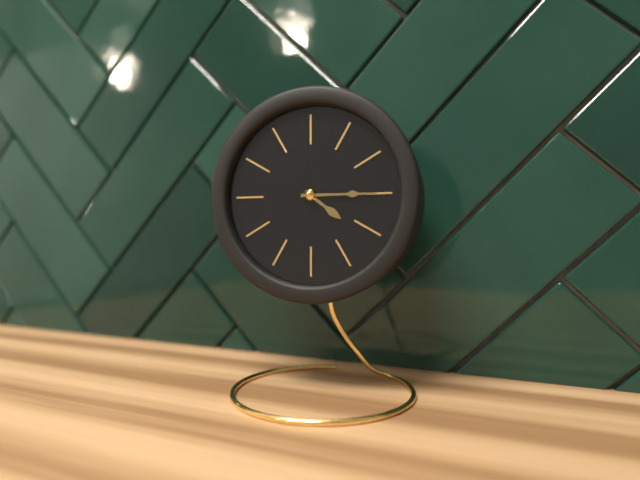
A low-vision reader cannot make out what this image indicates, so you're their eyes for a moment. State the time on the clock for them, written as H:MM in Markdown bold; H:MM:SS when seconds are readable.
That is **4:15**
